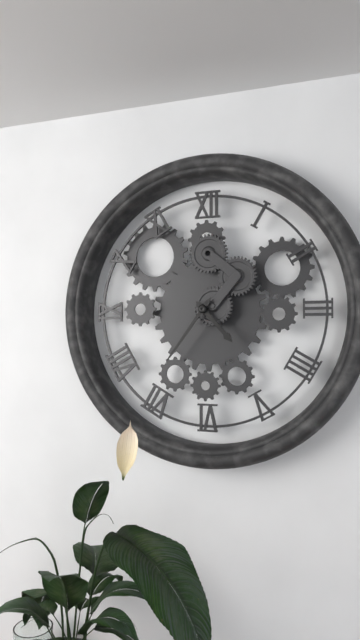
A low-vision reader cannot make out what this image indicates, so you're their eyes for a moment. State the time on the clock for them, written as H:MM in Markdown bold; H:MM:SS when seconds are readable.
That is **4:36**
